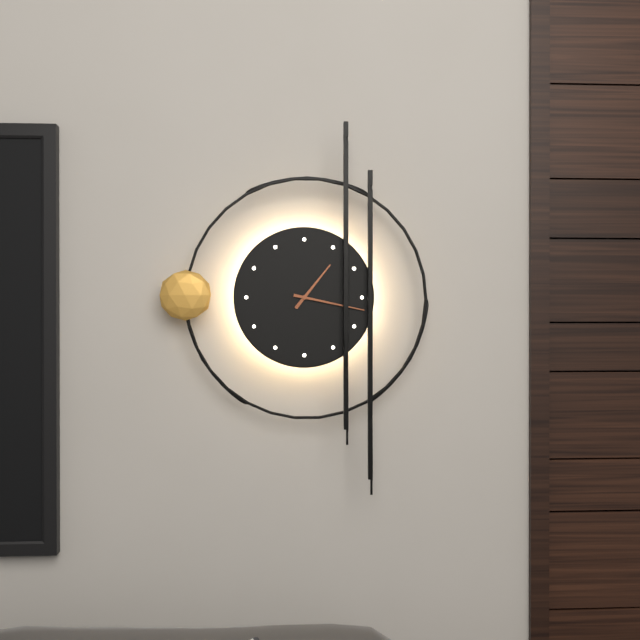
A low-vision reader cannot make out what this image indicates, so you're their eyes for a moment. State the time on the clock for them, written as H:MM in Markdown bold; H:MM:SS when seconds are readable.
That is **1:17**
